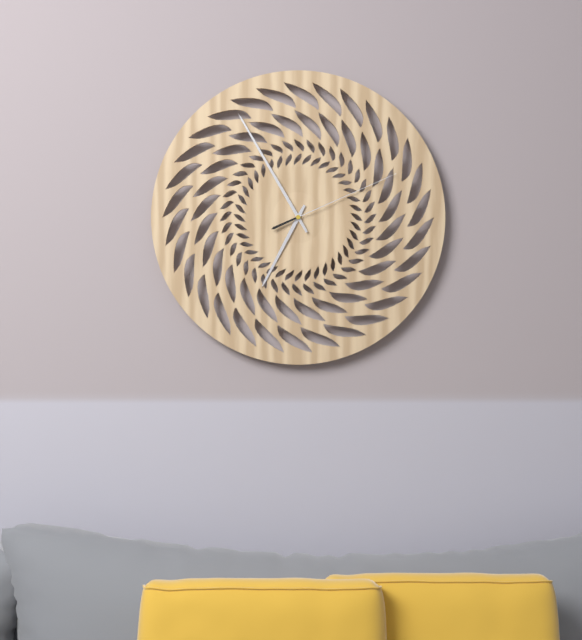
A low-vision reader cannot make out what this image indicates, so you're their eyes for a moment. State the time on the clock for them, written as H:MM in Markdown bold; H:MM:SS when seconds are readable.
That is **6:55:11**
